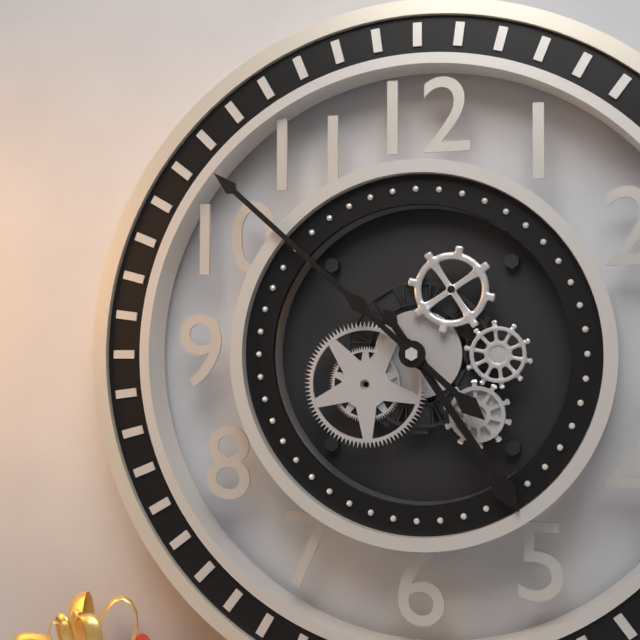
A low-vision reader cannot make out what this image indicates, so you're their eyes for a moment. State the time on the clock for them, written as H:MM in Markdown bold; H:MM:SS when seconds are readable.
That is **4:52**
